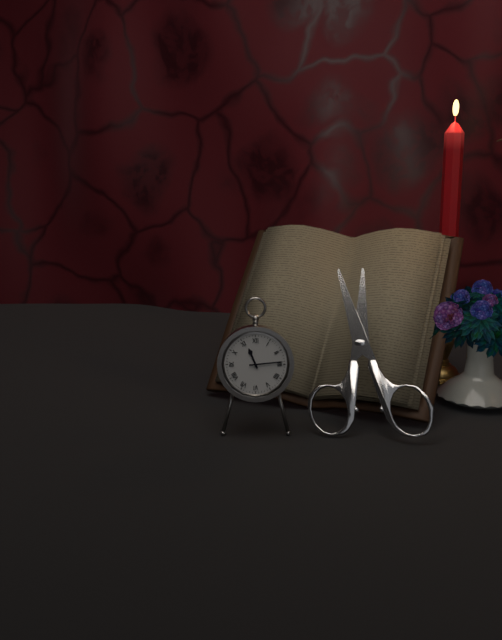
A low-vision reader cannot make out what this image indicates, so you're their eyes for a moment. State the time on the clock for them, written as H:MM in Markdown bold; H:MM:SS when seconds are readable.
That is **11:14**
